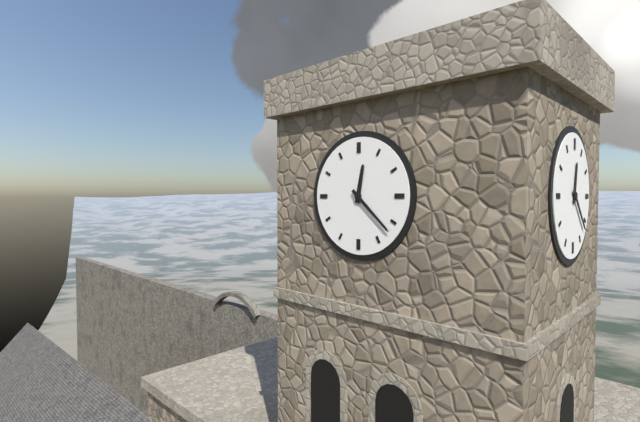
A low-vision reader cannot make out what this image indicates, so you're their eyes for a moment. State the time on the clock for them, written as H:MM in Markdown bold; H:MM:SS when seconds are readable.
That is **12:22**
